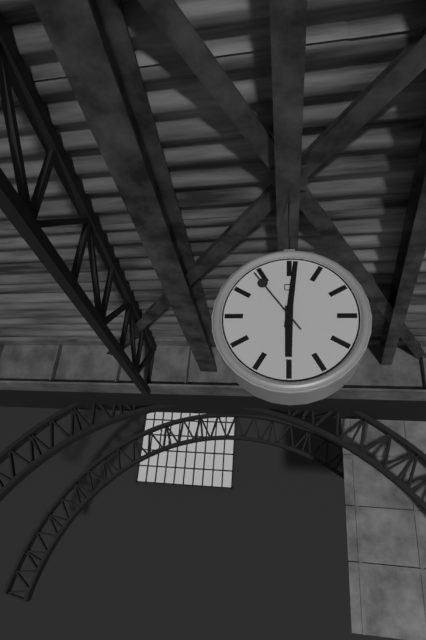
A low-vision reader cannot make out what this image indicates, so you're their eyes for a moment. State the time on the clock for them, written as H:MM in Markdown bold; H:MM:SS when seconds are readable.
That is **6:01:54**
